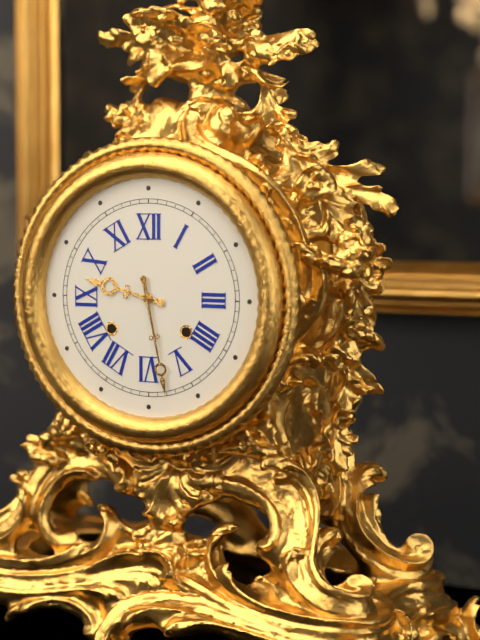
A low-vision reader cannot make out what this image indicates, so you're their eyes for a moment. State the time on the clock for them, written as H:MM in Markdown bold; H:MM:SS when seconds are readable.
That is **9:28**
